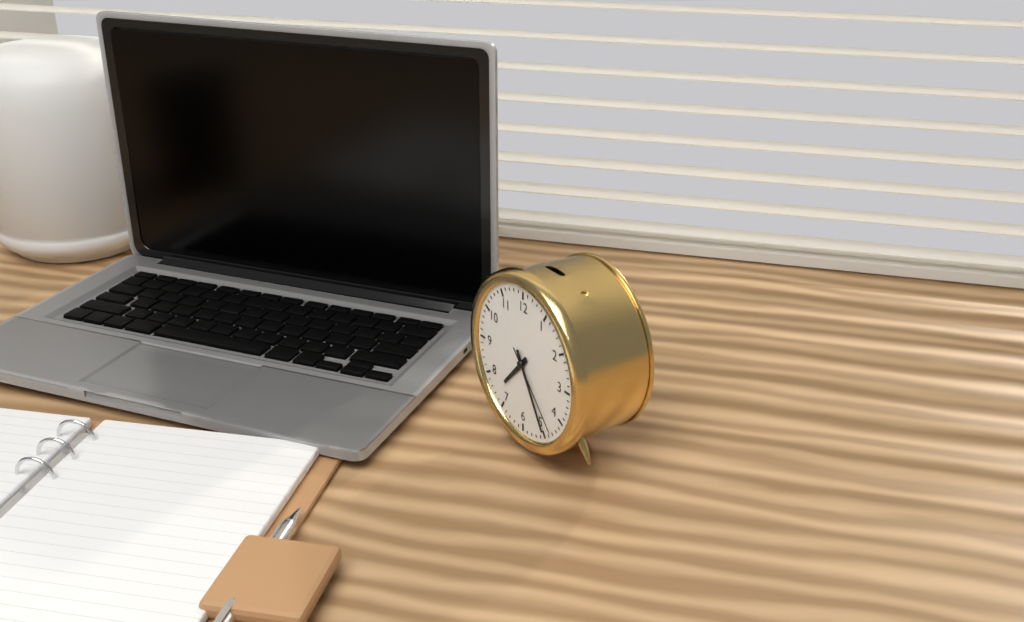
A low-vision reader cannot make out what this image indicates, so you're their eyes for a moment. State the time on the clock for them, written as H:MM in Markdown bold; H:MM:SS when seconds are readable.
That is **7:25:23**
